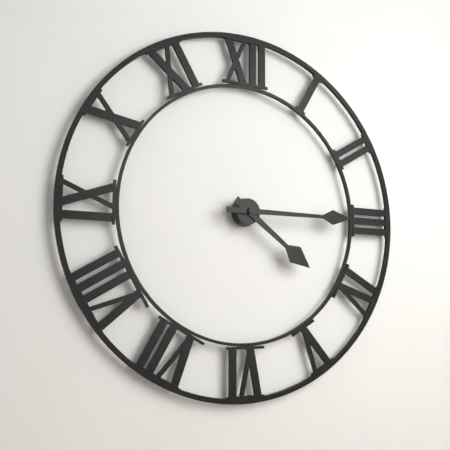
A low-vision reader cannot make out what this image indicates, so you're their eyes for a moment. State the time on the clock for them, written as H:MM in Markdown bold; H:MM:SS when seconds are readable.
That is **4:15**
